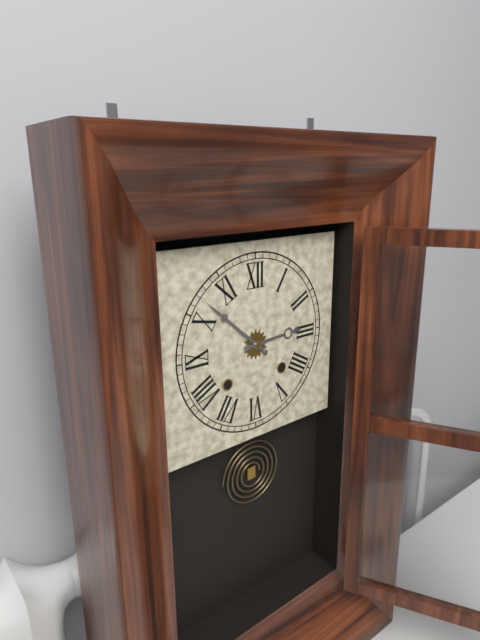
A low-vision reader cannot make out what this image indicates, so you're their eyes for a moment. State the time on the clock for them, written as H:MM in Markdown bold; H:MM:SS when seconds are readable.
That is **2:52**
